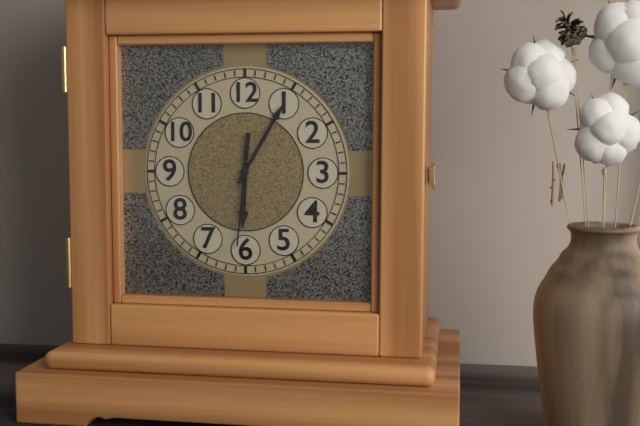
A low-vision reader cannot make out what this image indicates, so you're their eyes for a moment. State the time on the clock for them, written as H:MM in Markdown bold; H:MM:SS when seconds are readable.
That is **6:05:31**
